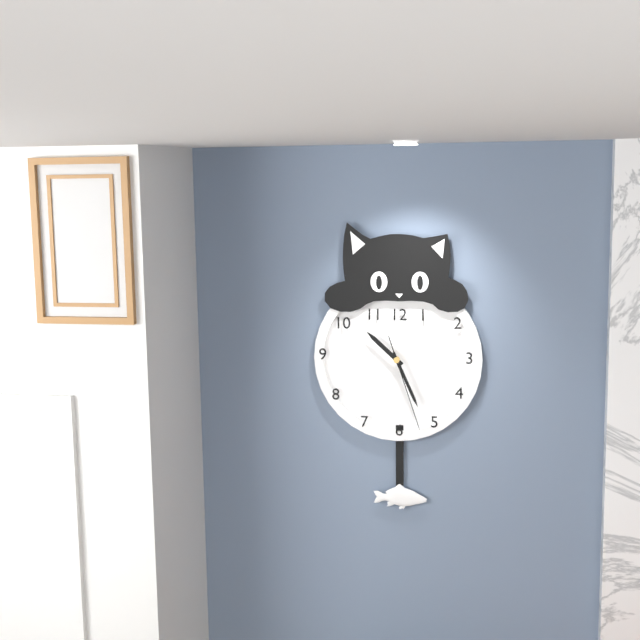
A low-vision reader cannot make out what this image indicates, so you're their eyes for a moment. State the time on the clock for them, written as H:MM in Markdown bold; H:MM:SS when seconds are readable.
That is **10:26:27**
